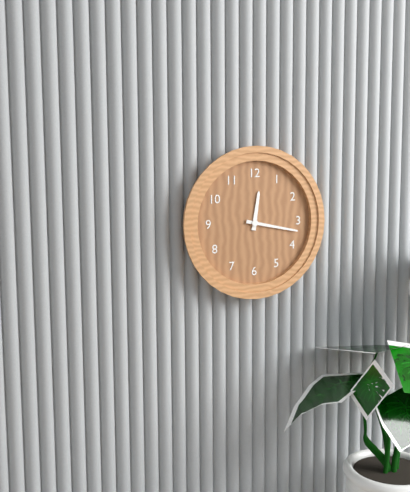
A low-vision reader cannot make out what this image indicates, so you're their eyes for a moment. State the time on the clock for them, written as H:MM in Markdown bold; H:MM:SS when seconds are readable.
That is **12:17**
